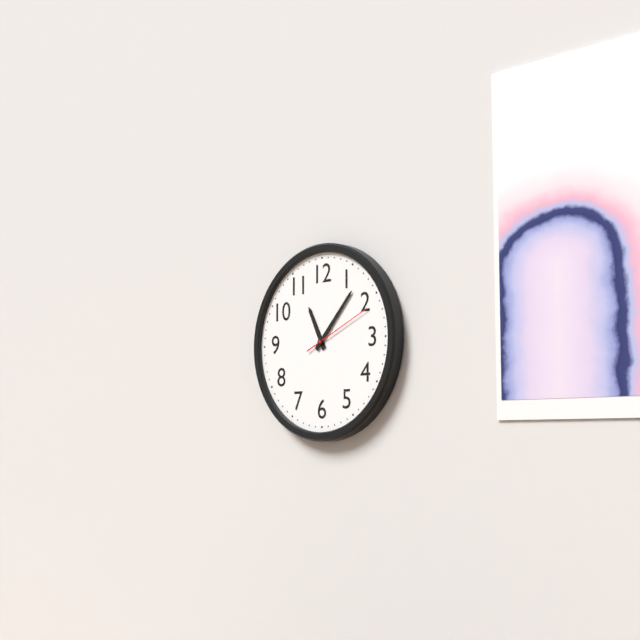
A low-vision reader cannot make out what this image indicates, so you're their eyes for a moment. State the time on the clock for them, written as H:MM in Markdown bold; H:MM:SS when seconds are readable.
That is **11:07:11**
